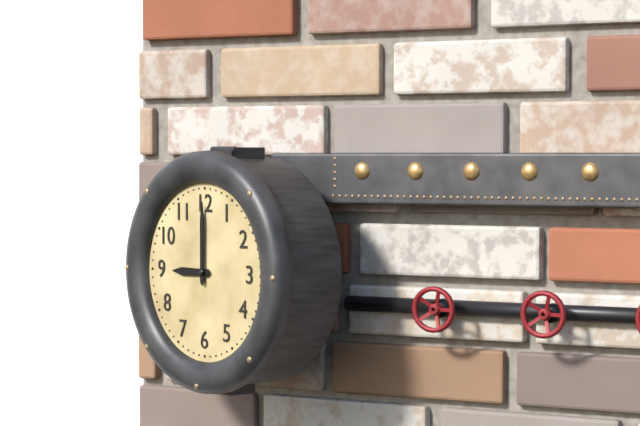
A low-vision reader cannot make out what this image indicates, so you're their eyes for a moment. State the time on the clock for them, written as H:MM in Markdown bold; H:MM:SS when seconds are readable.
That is **9:00**
